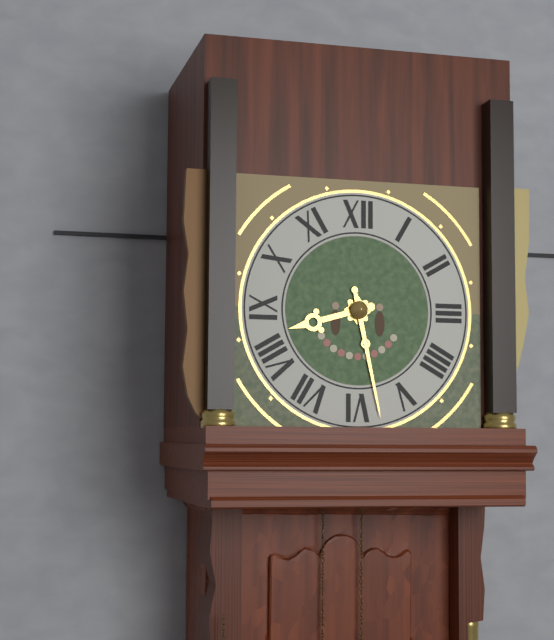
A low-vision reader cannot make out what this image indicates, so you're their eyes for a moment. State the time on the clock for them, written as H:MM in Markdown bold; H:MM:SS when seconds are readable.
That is **8:28**
